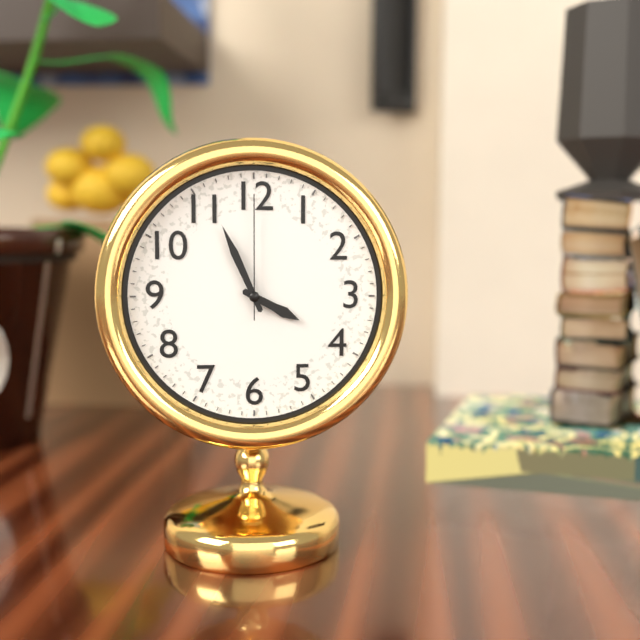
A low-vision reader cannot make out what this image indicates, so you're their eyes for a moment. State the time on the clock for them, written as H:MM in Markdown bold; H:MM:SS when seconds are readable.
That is **3:56:00**
